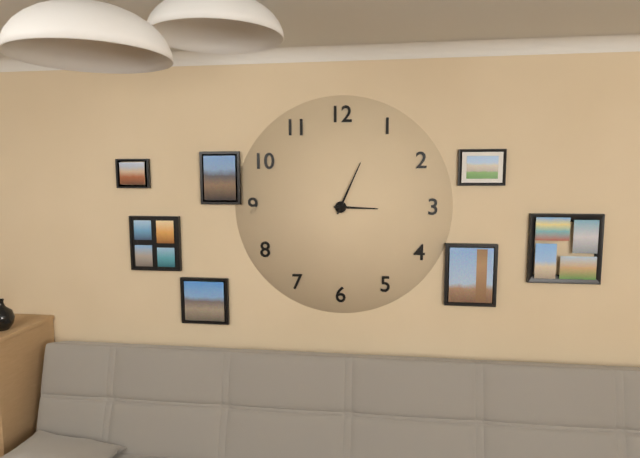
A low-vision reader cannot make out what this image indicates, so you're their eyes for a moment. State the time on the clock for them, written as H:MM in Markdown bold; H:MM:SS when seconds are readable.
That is **3:04**
